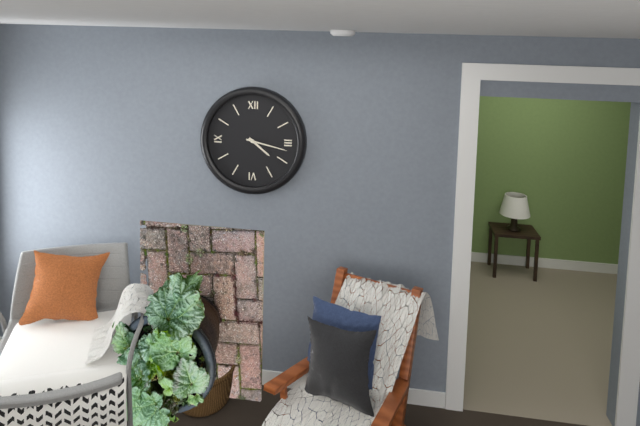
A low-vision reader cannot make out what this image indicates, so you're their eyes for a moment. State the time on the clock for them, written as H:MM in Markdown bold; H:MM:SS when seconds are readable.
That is **4:17**
